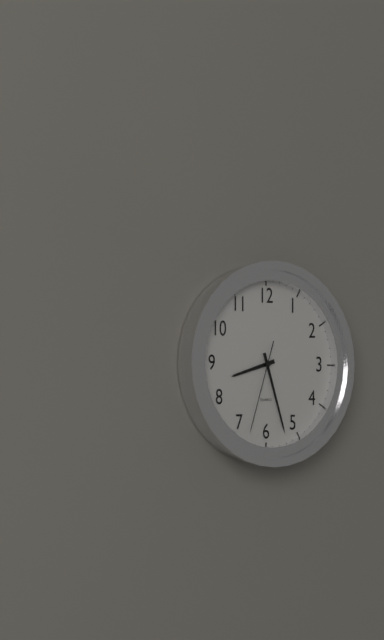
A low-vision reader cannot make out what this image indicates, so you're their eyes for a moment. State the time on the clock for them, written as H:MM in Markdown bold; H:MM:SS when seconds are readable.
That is **8:27:33**
